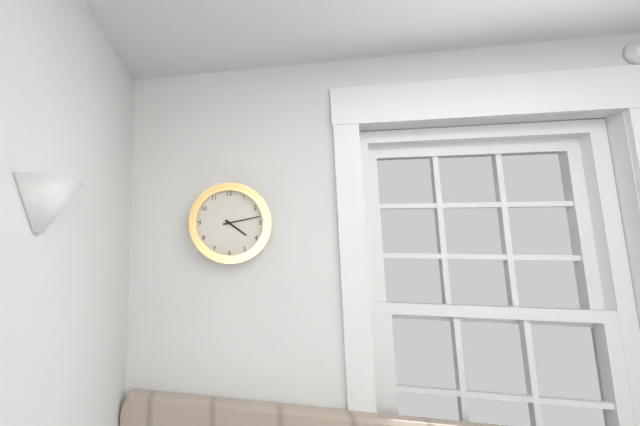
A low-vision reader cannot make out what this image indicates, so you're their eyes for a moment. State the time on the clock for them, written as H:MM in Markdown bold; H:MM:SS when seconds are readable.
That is **4:13**
